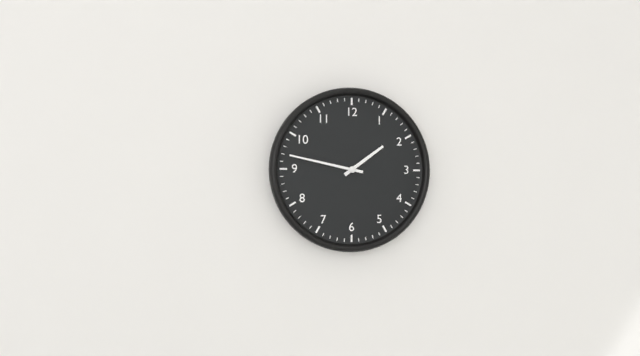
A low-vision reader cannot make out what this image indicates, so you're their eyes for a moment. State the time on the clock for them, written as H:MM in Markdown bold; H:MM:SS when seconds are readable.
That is **1:47**
